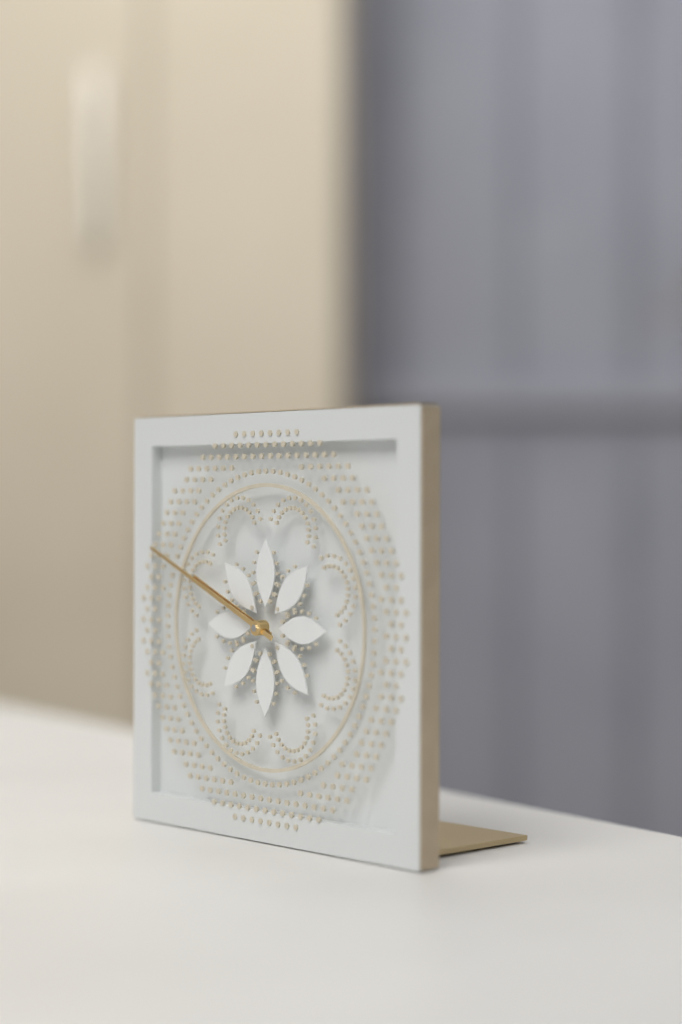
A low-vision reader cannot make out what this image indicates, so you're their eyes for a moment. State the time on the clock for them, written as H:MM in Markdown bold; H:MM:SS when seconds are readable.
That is **9:49**
